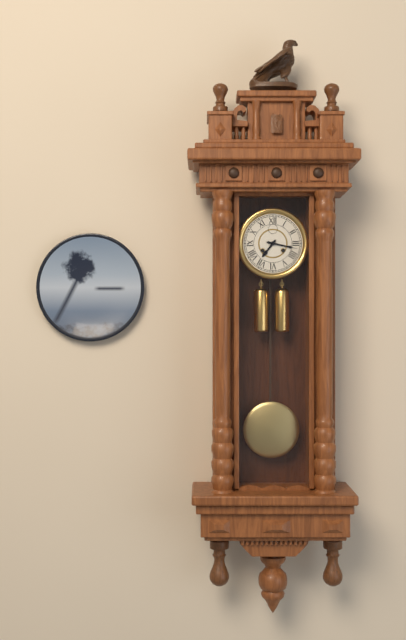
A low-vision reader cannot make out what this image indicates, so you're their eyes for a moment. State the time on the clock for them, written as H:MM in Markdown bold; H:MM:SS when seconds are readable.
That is **7:17**
